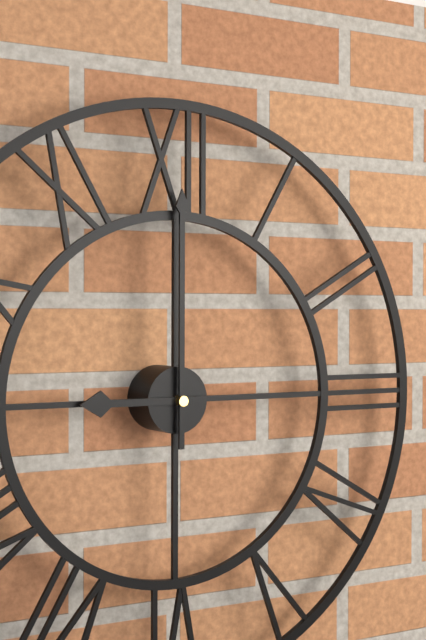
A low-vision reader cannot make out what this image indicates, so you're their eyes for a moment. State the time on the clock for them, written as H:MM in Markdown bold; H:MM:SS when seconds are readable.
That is **9:00**
